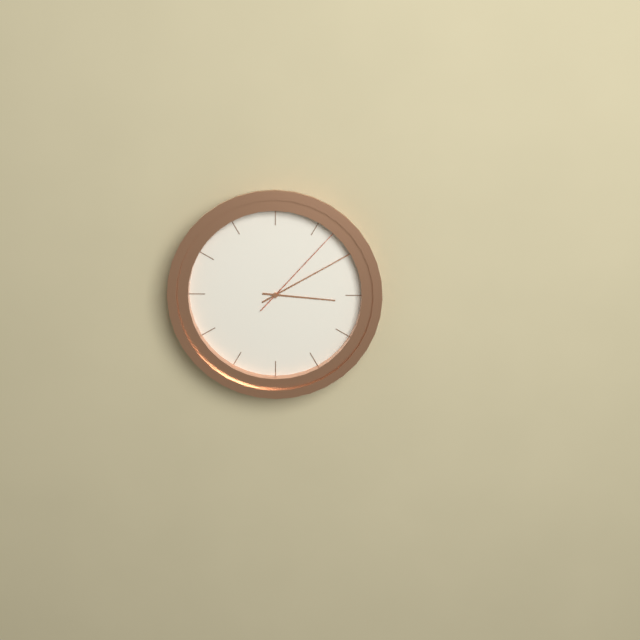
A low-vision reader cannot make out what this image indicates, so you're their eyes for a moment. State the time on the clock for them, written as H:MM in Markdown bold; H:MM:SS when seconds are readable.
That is **3:10:07**
